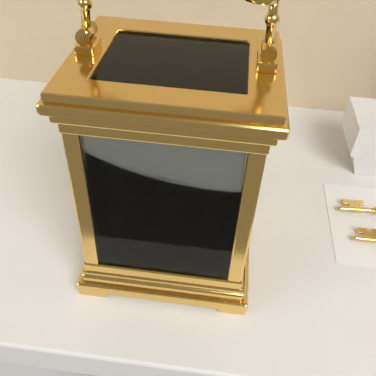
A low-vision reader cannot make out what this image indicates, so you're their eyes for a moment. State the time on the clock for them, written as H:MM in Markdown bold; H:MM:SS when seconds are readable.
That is **11:13**
